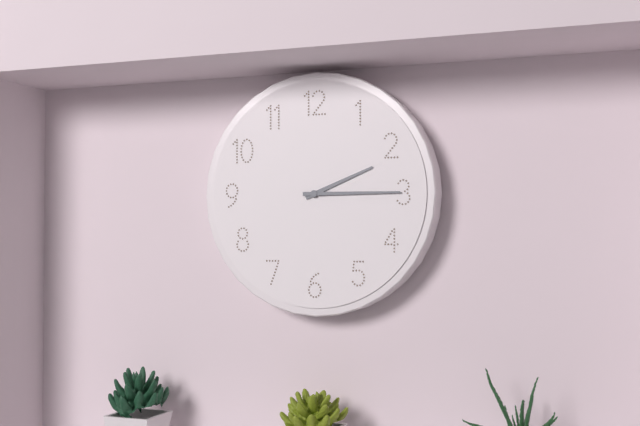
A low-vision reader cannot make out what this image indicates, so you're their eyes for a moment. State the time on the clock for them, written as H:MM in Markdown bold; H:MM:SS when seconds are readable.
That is **2:15**
